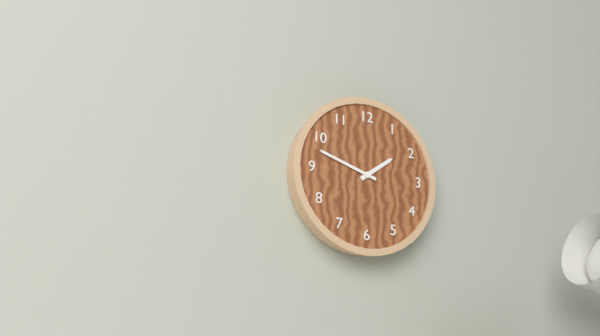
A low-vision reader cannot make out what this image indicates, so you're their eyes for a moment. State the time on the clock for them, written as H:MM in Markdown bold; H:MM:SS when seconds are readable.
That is **1:48**
